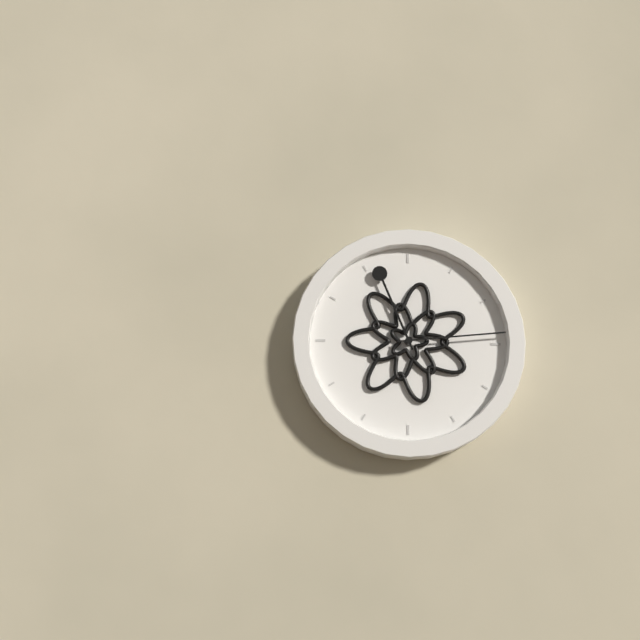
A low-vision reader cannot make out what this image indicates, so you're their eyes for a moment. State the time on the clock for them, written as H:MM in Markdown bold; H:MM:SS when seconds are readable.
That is **11:14**
